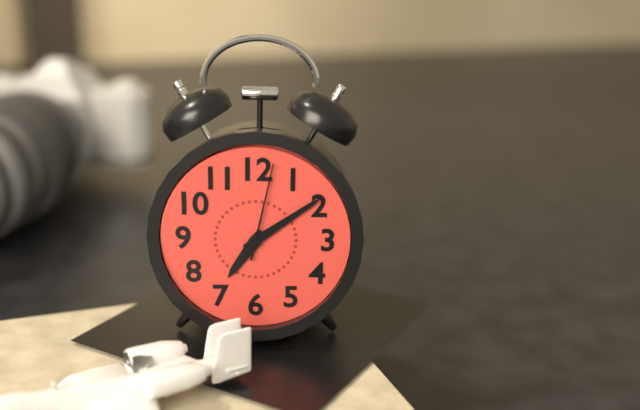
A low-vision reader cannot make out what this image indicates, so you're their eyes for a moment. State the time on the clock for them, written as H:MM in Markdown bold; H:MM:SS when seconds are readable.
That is **7:09:02**
